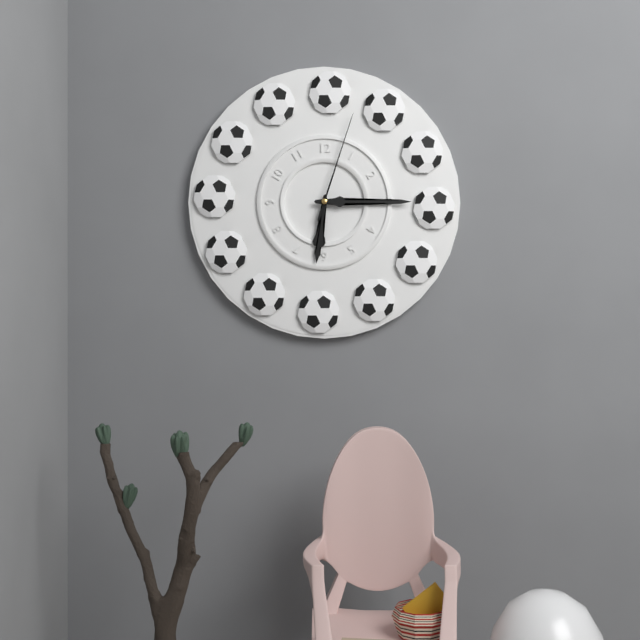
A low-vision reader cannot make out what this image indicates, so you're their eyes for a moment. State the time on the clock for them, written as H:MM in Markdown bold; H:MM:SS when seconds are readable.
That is **6:15:03**
